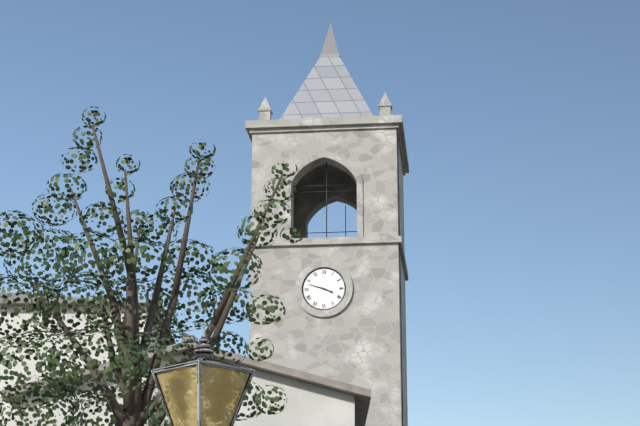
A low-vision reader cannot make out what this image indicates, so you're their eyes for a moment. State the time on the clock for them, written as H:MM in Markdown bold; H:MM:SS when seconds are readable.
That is **3:48**
